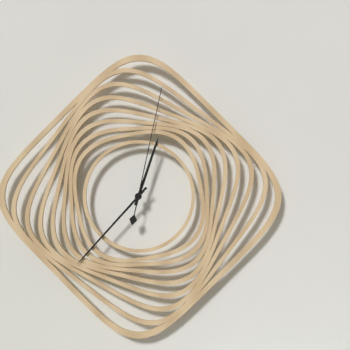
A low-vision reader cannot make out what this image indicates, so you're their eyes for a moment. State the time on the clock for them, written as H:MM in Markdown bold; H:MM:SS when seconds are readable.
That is **12:37:02**
